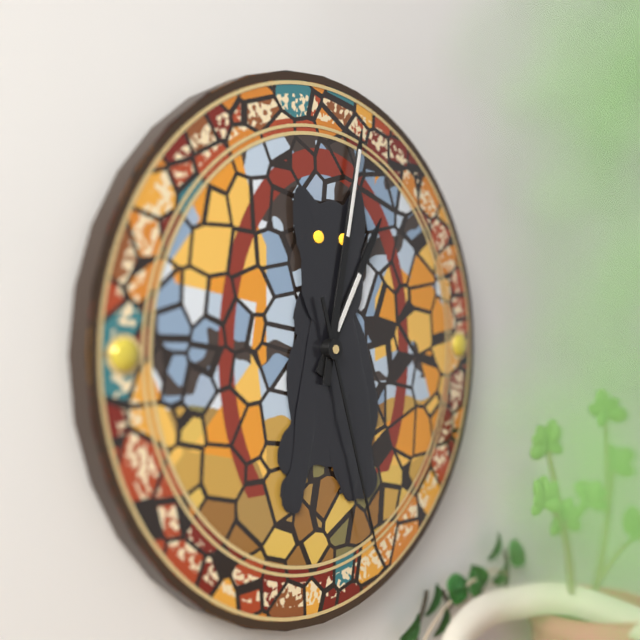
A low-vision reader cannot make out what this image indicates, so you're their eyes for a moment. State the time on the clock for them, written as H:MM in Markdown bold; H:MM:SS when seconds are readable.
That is **1:02:27**
